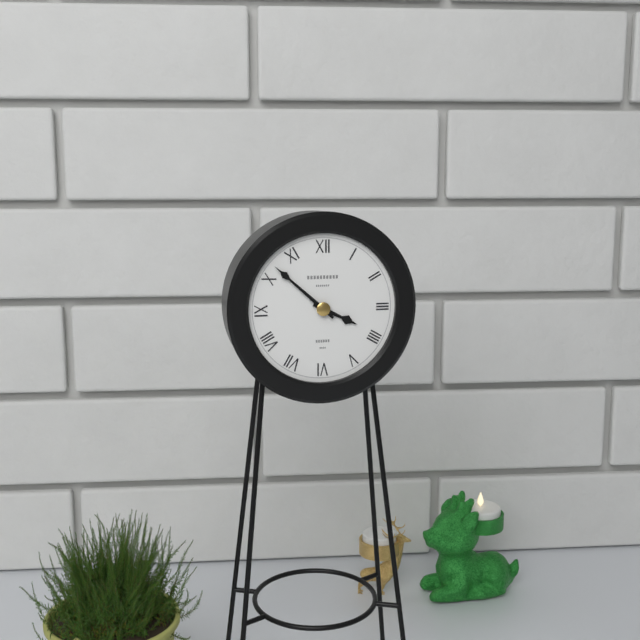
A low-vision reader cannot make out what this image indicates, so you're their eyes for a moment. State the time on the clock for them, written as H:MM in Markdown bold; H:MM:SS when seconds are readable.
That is **3:52**
